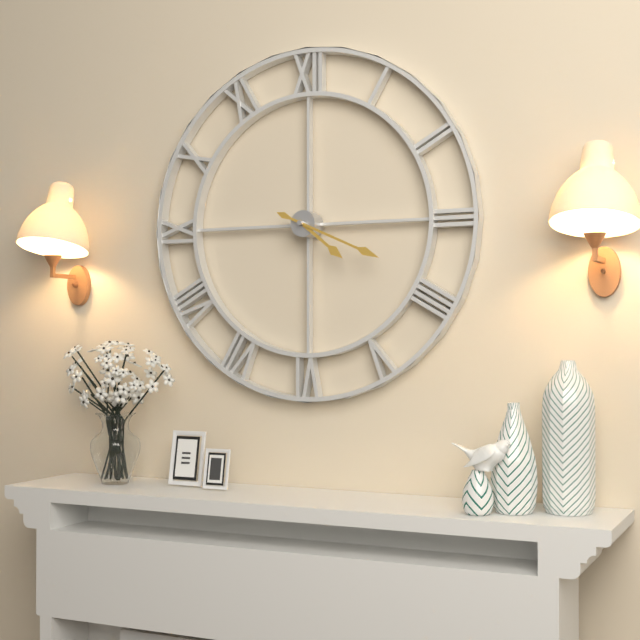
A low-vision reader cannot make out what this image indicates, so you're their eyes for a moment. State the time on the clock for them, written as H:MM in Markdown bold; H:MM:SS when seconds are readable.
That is **4:19**
